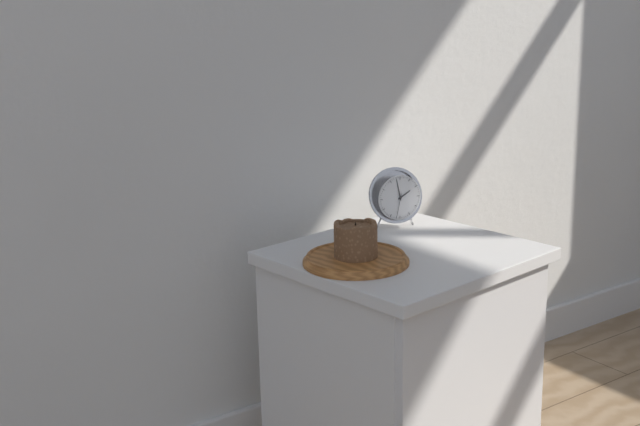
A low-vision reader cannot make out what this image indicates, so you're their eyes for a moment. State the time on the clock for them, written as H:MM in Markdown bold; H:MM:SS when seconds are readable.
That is **1:58**
